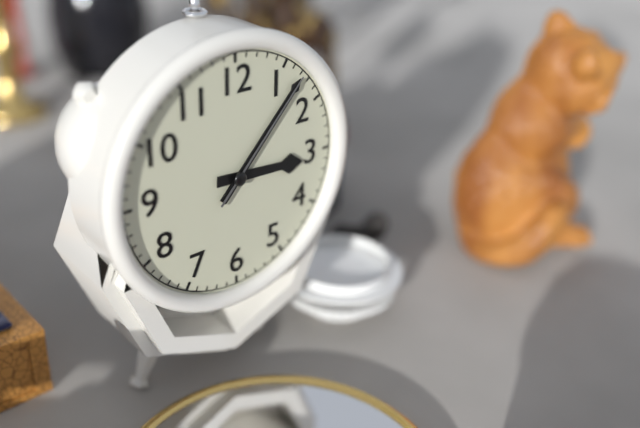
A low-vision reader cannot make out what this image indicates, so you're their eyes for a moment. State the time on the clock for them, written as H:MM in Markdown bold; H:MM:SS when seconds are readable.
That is **3:07:07**
